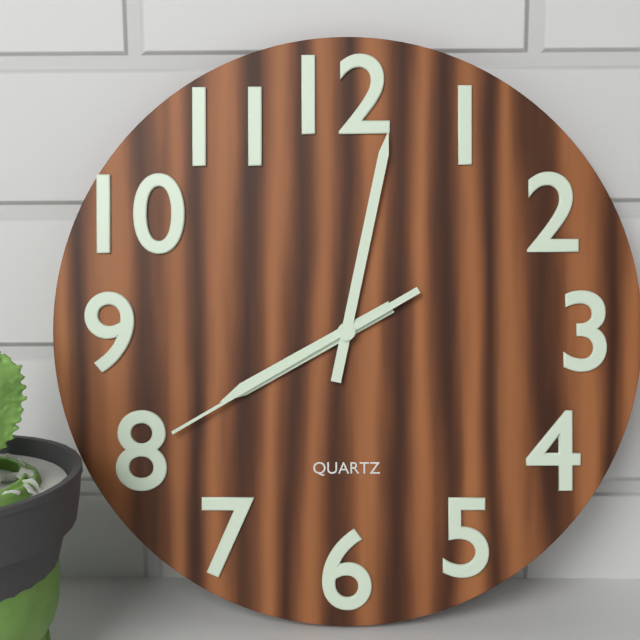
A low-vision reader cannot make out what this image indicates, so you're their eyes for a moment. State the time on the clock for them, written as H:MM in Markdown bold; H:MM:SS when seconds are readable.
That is **8:02:40**
